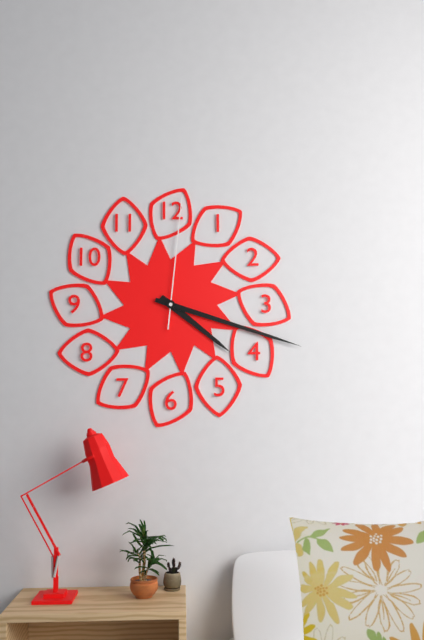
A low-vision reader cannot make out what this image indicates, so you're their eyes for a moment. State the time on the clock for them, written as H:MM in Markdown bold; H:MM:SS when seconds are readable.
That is **4:18:01**
